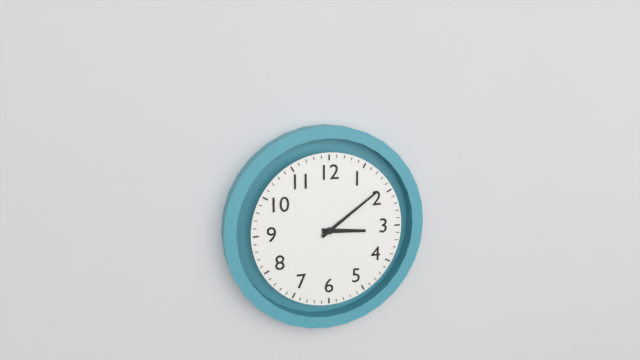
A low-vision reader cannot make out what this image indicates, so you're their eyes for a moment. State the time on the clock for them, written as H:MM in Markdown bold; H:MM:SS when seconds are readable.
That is **3:09**
